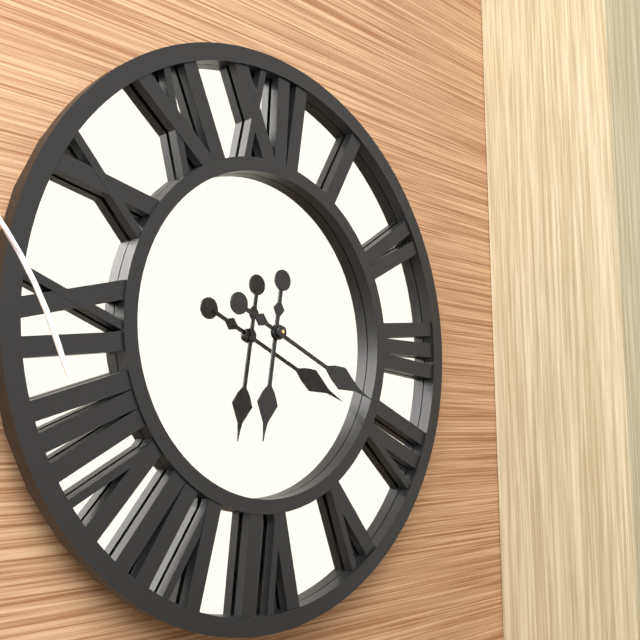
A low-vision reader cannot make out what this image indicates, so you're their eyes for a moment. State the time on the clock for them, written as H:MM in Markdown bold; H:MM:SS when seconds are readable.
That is **6:19**
